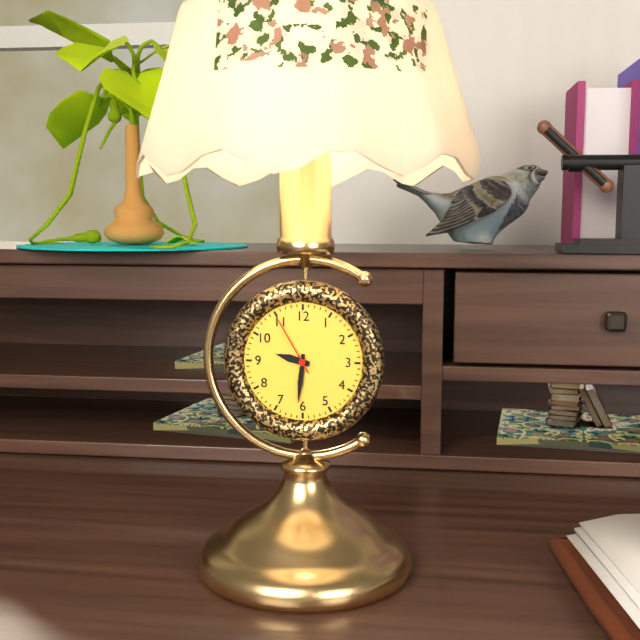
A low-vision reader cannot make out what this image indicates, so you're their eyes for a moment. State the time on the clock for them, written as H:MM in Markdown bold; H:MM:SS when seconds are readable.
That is **9:31:55**
